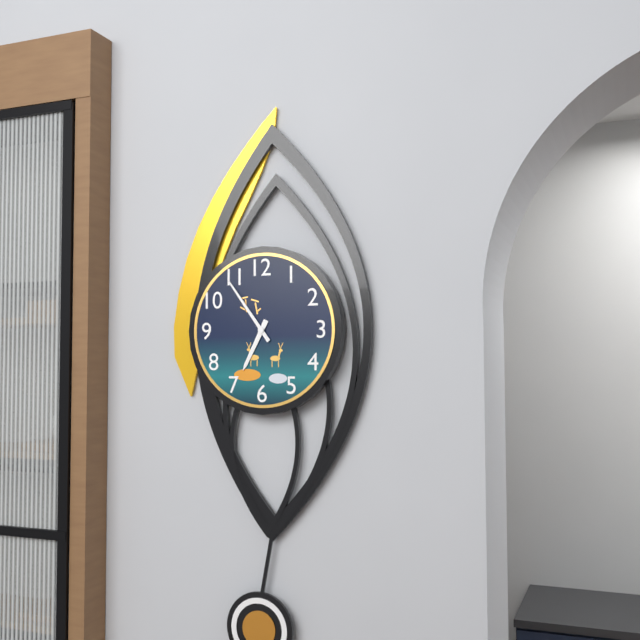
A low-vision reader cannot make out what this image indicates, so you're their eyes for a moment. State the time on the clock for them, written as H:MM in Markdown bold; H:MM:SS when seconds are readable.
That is **6:54**
